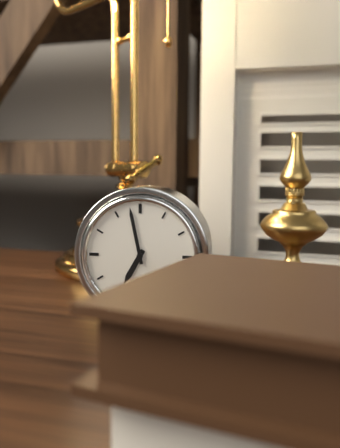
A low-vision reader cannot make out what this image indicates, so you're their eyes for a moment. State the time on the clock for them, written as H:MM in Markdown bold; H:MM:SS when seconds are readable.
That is **6:58**
